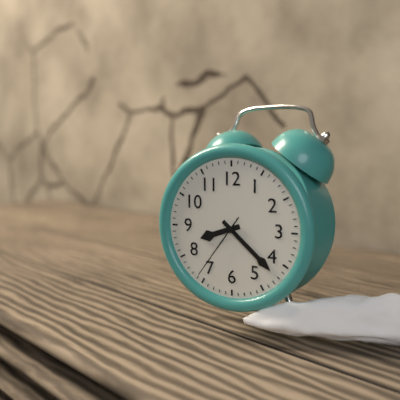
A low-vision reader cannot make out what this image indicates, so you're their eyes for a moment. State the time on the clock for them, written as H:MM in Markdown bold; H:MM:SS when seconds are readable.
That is **8:22:36**
